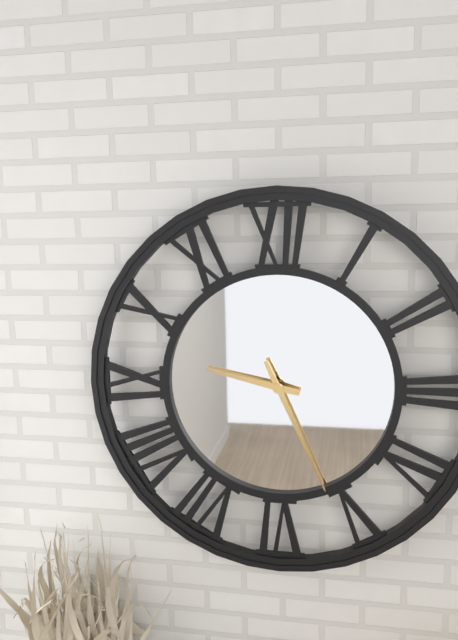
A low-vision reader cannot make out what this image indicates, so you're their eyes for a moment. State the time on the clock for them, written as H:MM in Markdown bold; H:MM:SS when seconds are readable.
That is **9:26**
